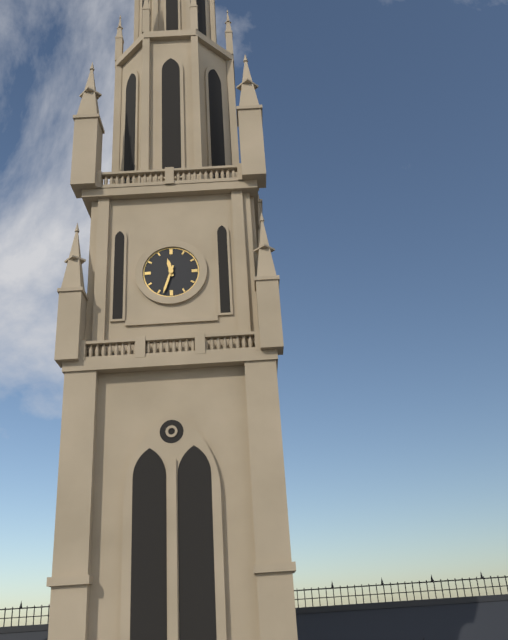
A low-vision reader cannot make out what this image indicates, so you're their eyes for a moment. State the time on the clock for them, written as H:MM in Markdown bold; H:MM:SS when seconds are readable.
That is **11:33**
